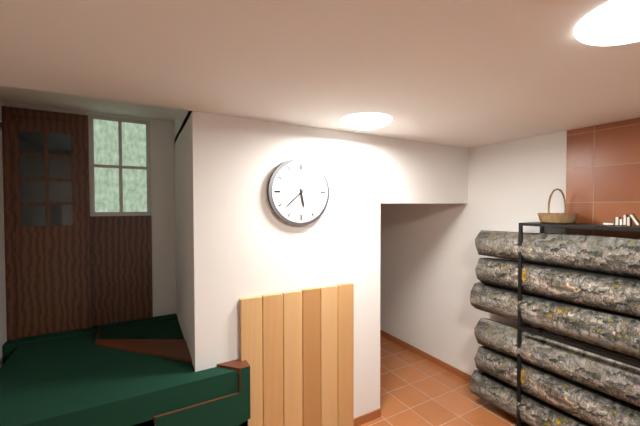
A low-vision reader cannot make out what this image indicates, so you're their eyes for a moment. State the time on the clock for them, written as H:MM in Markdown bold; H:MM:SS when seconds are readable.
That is **5:38**
